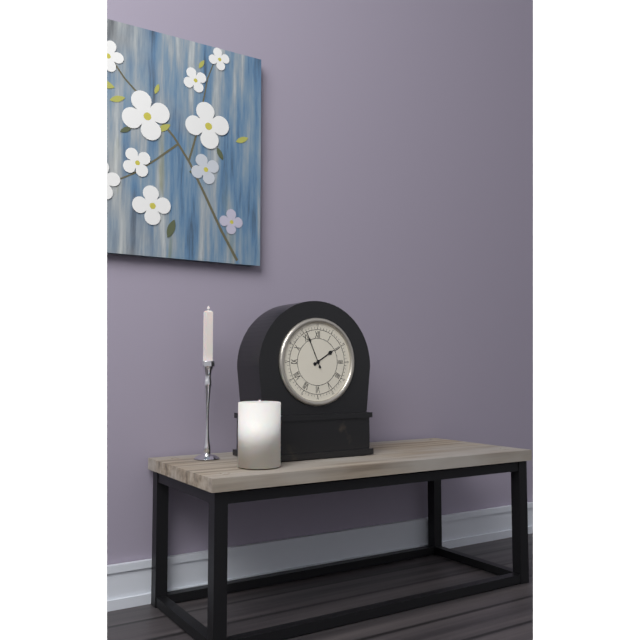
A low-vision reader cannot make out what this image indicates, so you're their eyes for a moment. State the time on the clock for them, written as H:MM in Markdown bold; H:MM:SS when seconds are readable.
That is **1:56**
